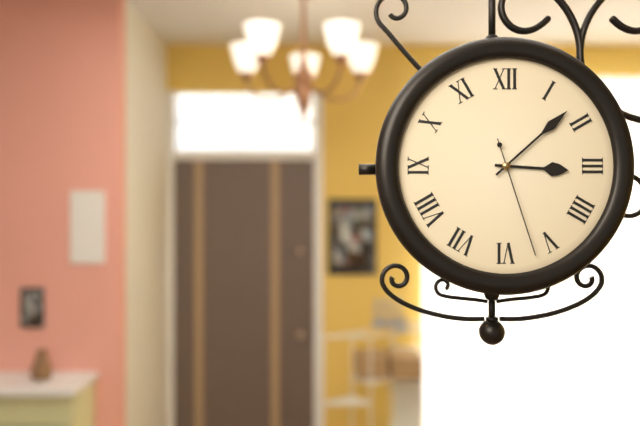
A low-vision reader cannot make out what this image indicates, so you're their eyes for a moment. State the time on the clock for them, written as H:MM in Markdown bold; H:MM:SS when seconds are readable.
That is **3:08:27**
